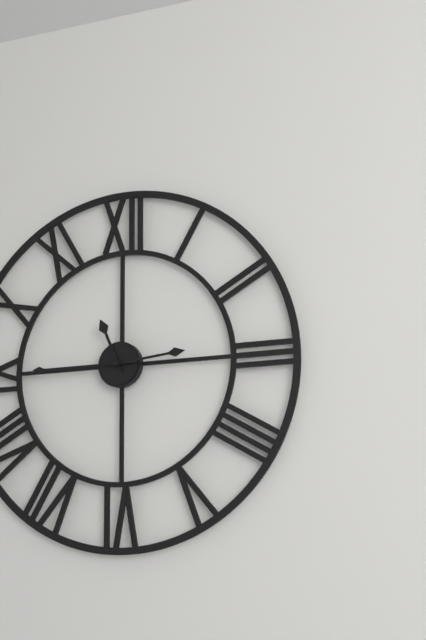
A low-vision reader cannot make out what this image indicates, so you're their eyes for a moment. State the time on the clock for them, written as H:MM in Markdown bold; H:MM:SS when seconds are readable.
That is **11:14:45**
